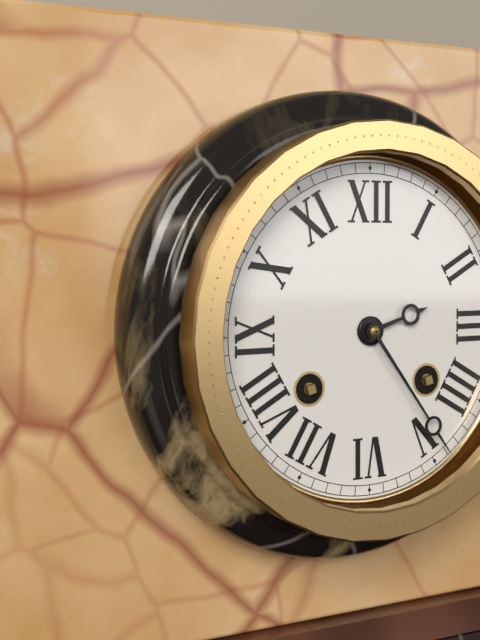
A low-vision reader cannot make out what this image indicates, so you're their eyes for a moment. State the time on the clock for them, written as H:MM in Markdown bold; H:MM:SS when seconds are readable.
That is **2:24**
